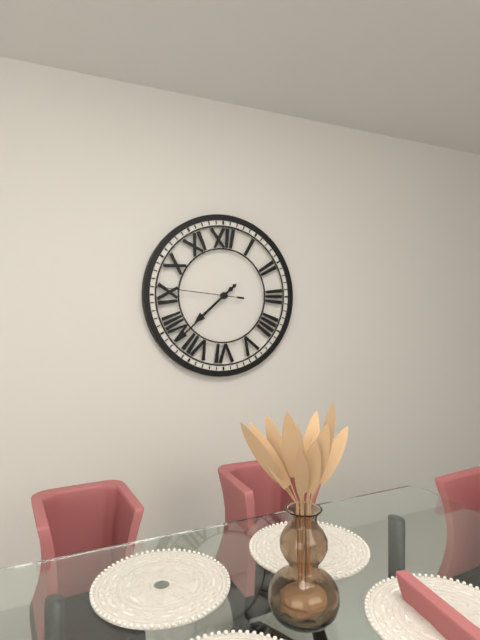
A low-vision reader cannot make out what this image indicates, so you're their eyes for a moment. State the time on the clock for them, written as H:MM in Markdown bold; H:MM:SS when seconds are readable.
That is **7:38:46**
